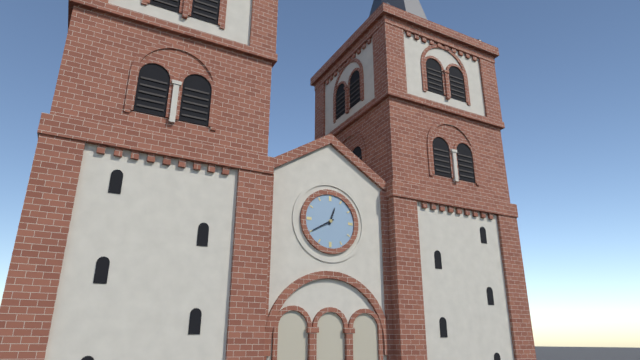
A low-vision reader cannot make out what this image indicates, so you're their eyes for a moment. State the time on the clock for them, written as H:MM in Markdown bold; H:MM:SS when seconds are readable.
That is **12:40**
